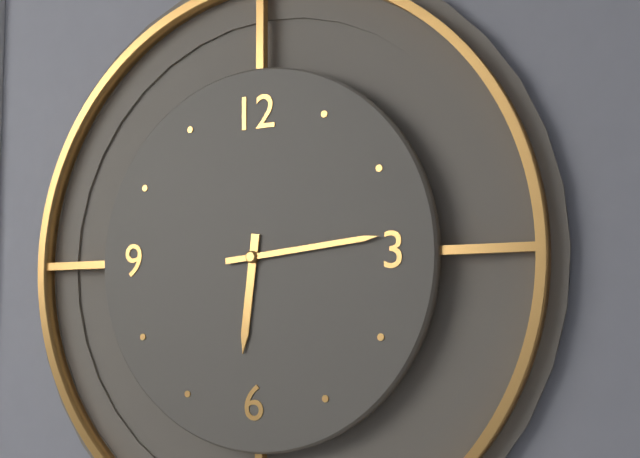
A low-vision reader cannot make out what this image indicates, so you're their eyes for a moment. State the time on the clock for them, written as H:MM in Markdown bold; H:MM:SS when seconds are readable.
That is **6:14**
